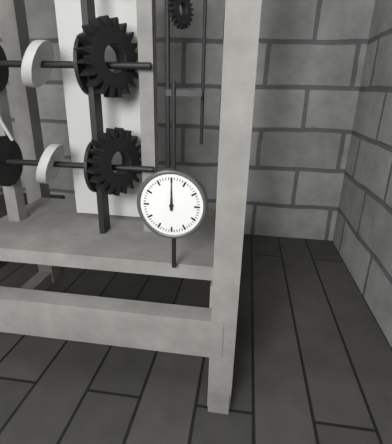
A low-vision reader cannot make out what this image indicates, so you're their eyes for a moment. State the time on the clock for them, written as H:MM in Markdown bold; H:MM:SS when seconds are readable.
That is **12:00**
